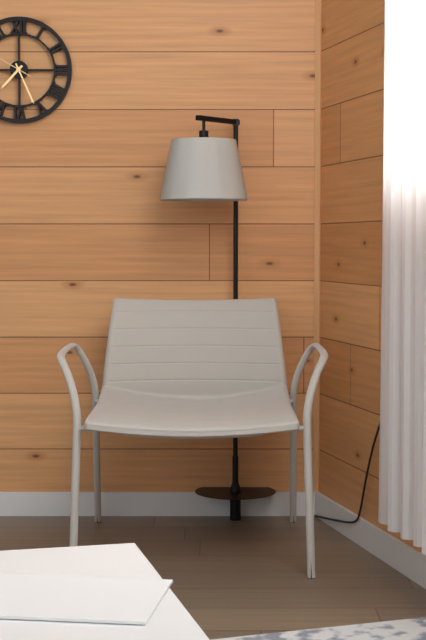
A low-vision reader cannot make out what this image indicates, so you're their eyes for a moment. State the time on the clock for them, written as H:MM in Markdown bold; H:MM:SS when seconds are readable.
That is **7:26**
